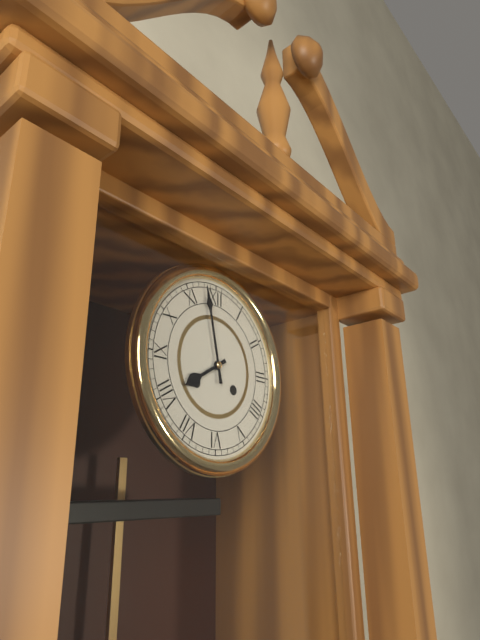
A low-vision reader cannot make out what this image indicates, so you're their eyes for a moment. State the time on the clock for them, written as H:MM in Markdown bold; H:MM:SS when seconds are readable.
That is **7:58**
